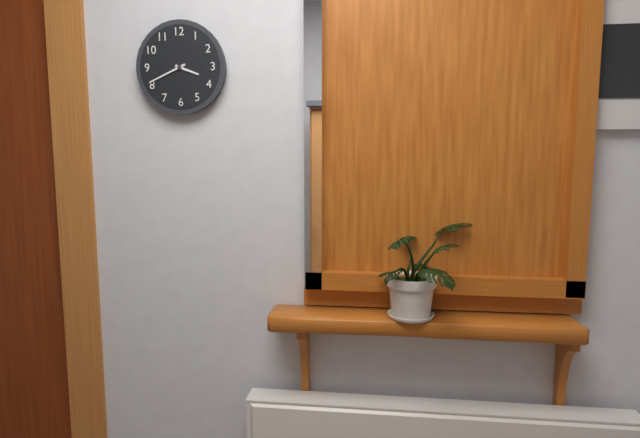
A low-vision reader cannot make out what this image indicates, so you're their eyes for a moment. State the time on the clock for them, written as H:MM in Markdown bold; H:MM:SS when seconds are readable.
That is **3:41**
